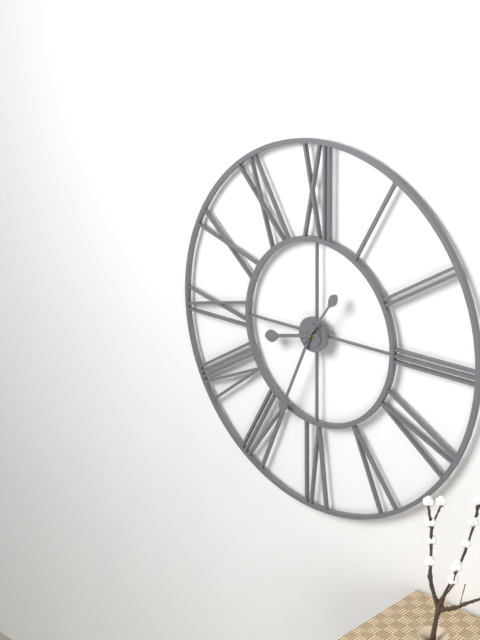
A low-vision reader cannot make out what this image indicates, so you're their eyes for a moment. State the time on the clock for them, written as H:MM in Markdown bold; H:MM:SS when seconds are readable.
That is **8:34:06**
